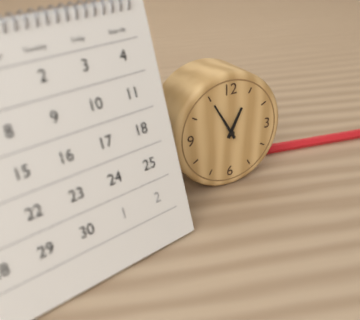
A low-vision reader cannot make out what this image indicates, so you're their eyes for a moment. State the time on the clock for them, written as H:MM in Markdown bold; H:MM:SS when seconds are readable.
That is **12:55**
